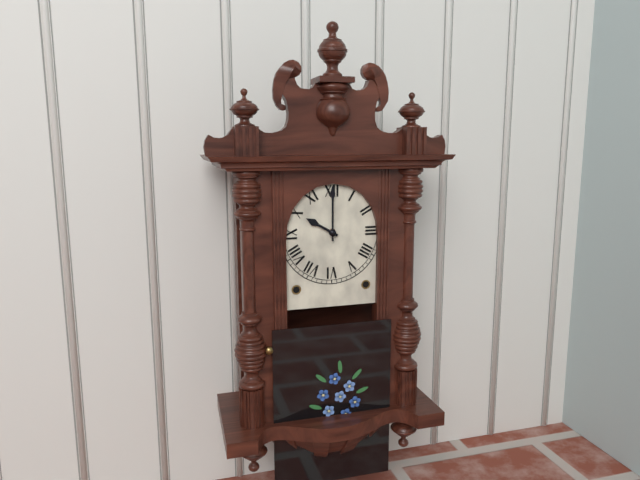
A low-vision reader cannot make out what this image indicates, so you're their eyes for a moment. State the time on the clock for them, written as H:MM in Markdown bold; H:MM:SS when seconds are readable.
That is **10:00**
